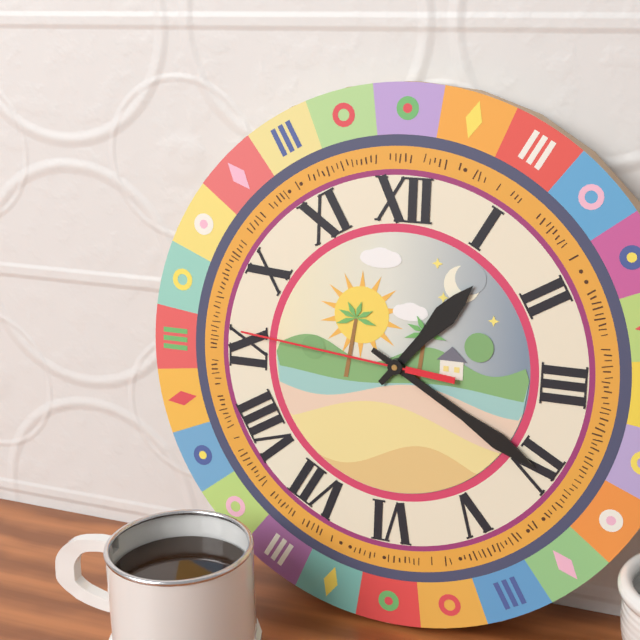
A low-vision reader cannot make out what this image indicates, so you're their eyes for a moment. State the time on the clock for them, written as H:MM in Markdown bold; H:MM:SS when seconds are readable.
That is **1:20:46**
